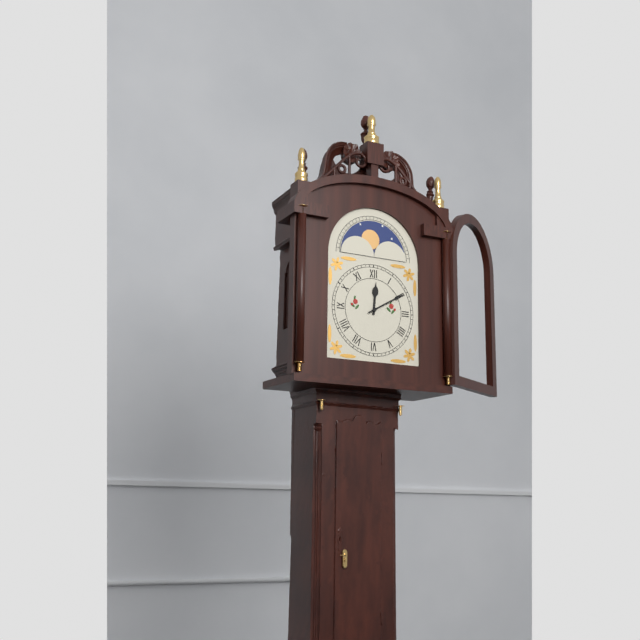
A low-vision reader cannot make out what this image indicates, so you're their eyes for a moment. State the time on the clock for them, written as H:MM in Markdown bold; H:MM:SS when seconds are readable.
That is **12:10**
